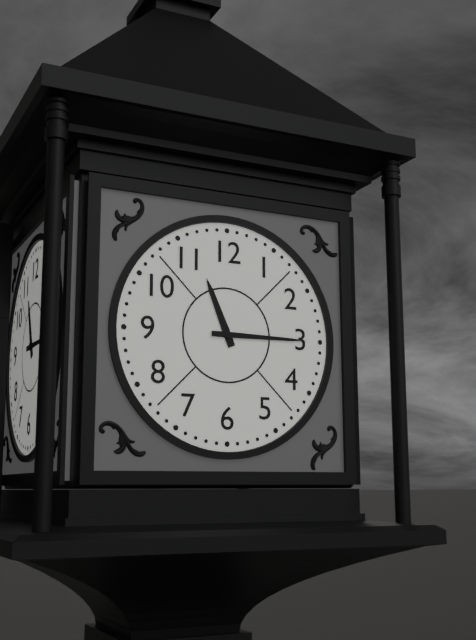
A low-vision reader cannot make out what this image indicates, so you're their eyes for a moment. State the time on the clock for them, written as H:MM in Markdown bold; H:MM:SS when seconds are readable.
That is **11:15**
